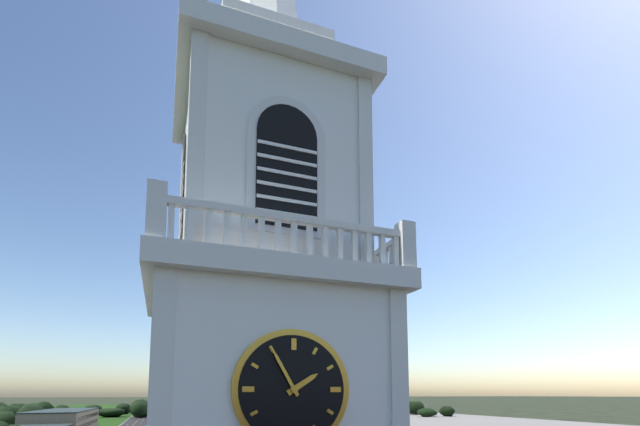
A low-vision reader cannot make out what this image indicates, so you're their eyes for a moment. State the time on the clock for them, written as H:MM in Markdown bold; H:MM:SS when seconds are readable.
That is **1:55**
